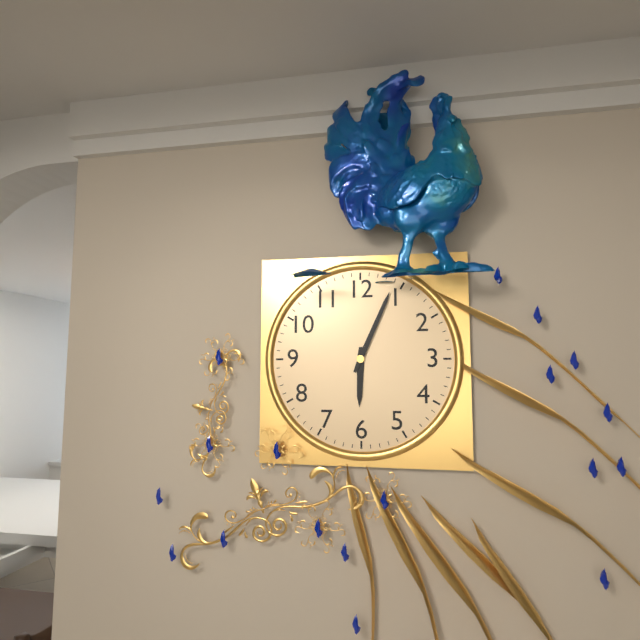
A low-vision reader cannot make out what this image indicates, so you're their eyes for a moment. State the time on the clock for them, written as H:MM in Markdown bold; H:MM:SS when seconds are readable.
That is **6:04**
